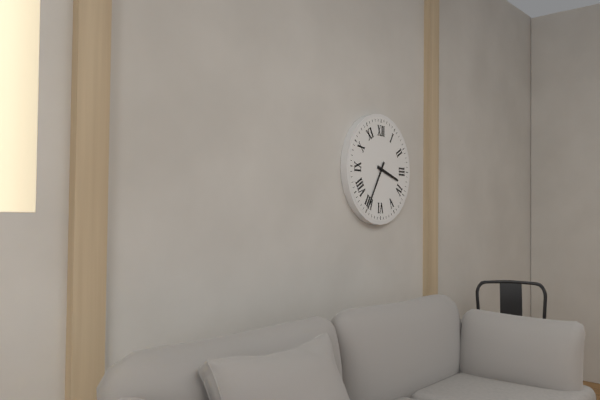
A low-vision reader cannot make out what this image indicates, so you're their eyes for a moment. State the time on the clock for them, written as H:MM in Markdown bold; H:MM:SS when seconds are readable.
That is **3:35**
